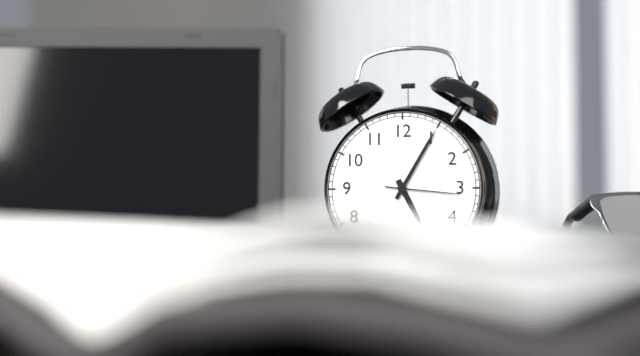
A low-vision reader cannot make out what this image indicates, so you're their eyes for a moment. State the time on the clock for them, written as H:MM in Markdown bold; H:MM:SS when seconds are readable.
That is **5:05:16**
